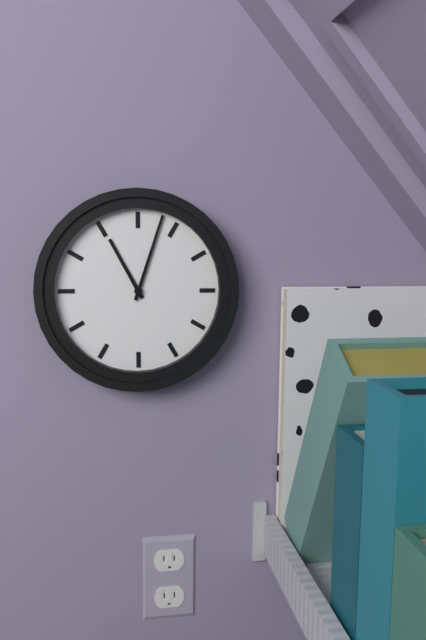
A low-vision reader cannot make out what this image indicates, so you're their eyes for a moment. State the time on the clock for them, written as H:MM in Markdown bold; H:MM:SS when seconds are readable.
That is **11:03**
